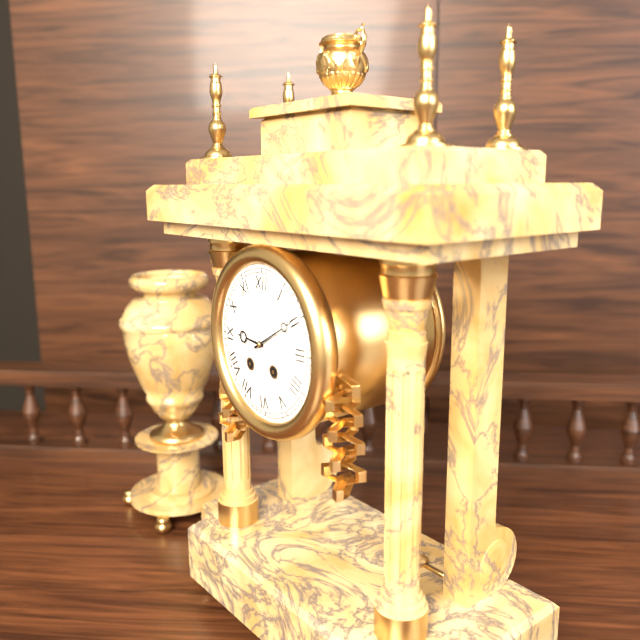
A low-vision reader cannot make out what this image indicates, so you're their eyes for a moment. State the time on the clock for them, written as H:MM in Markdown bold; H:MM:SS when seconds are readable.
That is **9:10**
